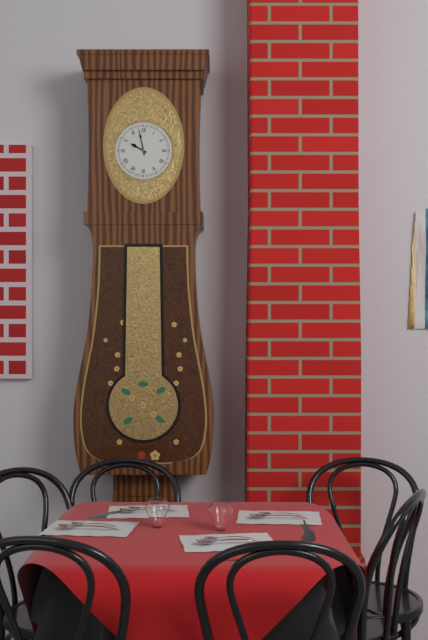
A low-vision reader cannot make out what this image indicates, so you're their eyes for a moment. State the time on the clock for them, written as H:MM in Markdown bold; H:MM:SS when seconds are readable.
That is **9:58**
